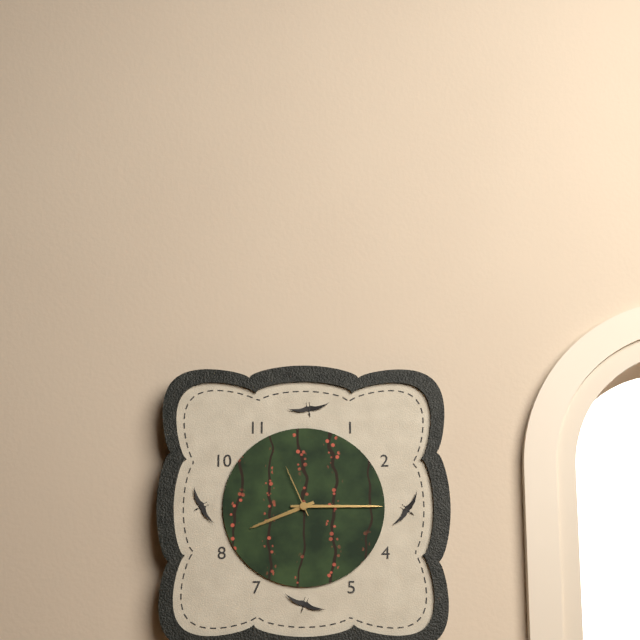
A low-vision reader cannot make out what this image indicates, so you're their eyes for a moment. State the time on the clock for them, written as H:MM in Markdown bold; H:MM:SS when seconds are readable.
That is **8:15:56**
